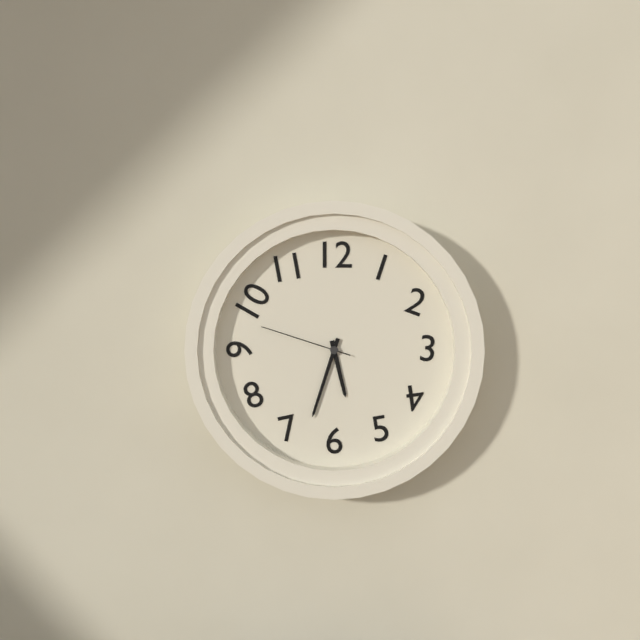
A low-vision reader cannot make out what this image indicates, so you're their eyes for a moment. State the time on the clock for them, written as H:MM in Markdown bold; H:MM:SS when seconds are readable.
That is **5:33:48**
